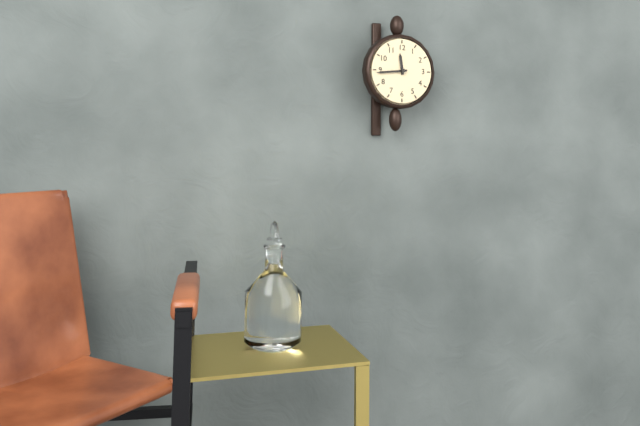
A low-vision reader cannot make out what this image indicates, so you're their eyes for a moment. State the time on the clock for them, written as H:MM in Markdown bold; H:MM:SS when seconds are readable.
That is **11:44**
